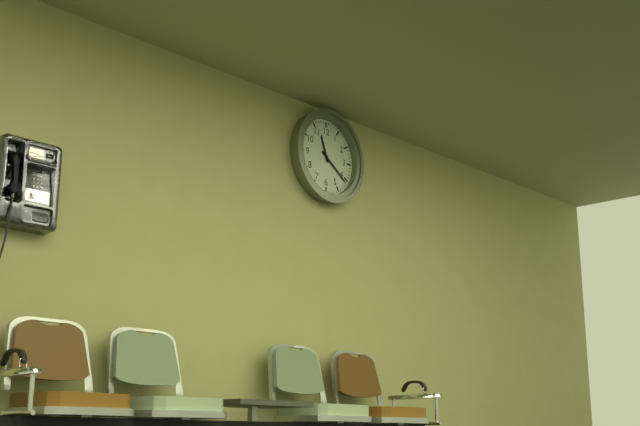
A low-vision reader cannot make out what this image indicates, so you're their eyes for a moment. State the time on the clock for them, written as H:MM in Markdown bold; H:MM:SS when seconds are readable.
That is **11:21**
